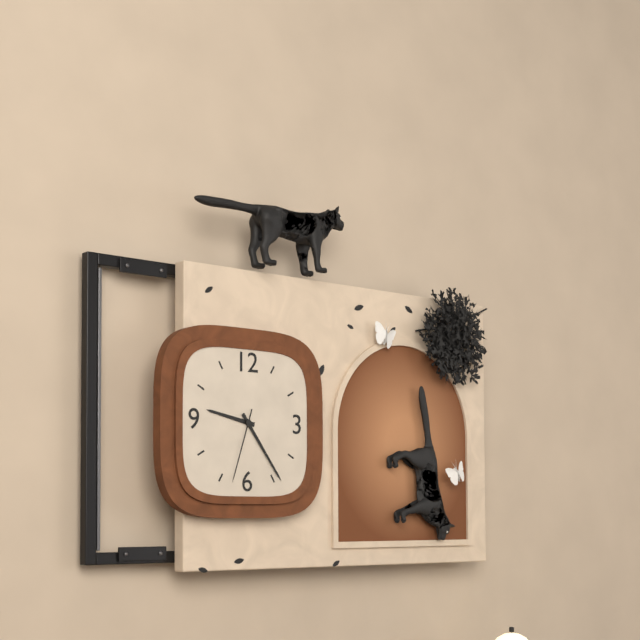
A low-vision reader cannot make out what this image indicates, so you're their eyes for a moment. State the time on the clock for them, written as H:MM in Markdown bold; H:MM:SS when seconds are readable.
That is **9:24:33**
